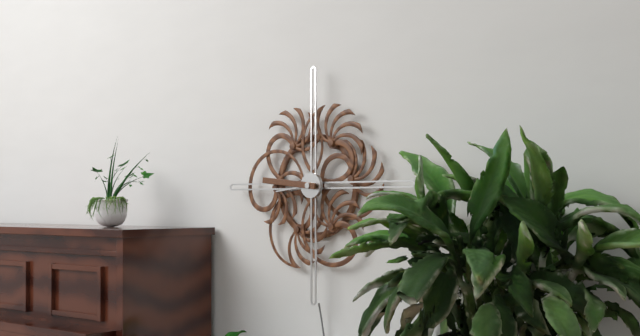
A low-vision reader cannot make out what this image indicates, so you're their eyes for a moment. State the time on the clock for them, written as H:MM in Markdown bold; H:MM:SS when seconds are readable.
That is **8:46**
